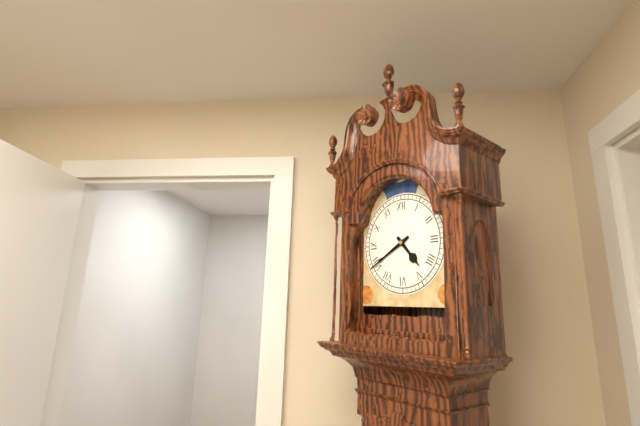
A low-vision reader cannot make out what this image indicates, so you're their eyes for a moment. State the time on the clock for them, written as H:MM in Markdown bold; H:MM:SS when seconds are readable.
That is **4:40**
